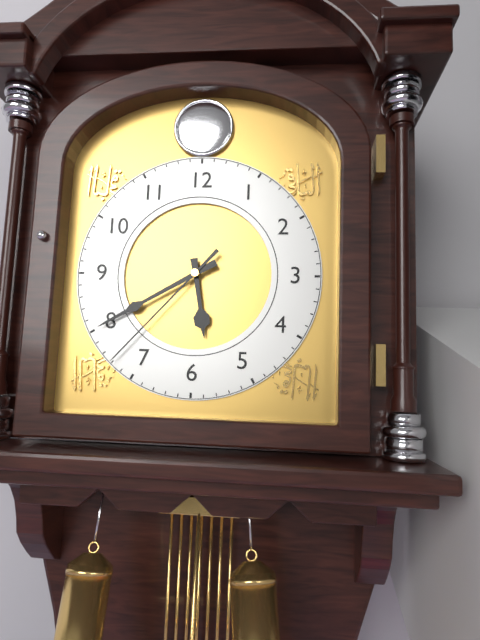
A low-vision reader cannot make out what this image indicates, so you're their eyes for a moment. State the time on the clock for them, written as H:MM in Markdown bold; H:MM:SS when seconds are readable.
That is **5:40:37**
